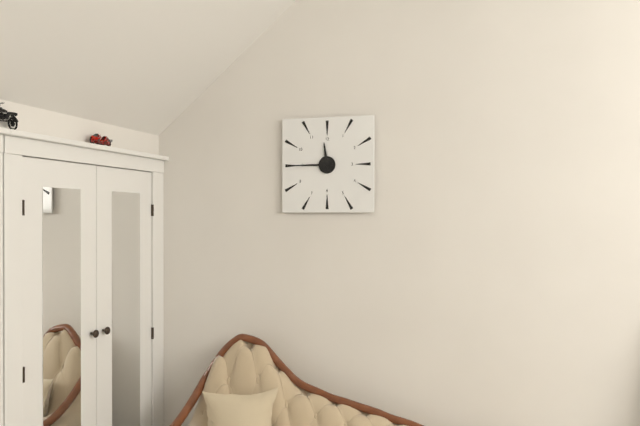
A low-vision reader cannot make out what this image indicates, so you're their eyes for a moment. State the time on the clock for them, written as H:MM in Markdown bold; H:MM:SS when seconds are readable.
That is **11:45**
